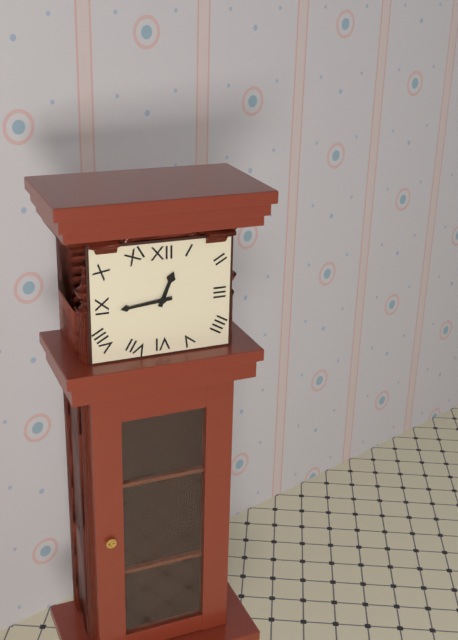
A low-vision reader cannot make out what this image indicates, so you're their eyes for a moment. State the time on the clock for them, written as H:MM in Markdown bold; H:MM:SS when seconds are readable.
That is **12:44**
